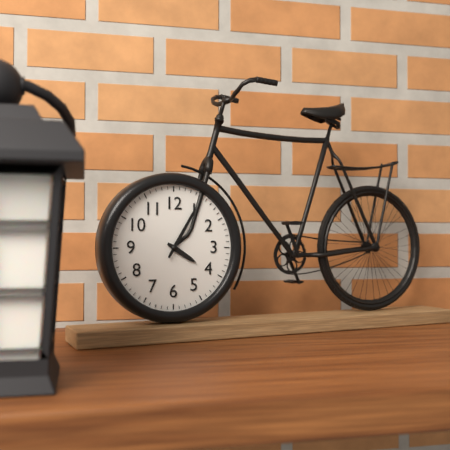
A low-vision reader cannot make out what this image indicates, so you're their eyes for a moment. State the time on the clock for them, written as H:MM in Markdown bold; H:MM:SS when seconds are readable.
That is **4:05**
